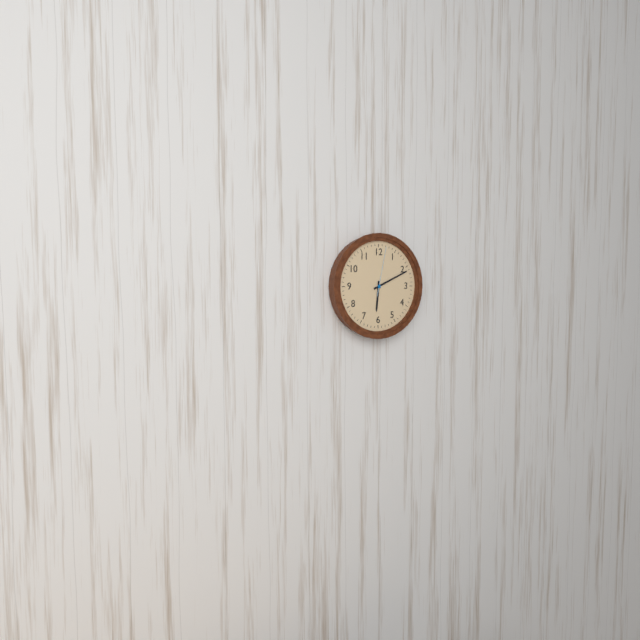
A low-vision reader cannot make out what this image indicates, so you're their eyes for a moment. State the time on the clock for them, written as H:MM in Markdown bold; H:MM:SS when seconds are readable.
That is **6:11:02**
